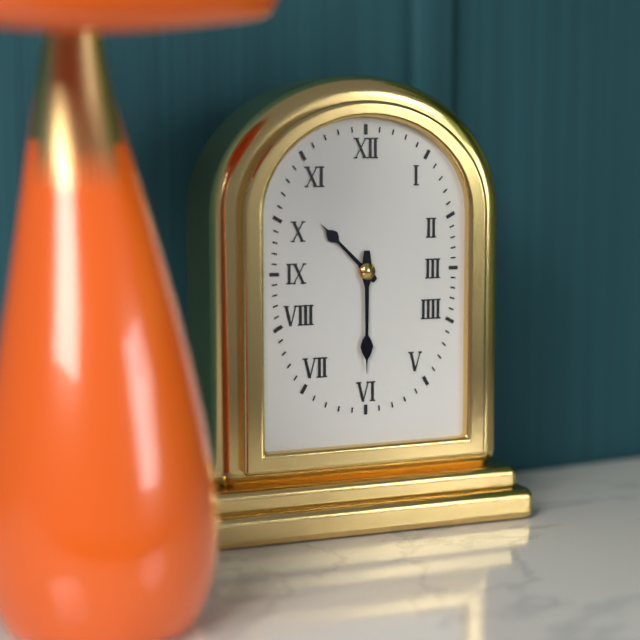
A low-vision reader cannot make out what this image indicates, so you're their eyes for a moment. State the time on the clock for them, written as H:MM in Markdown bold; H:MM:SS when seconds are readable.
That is **10:30**
